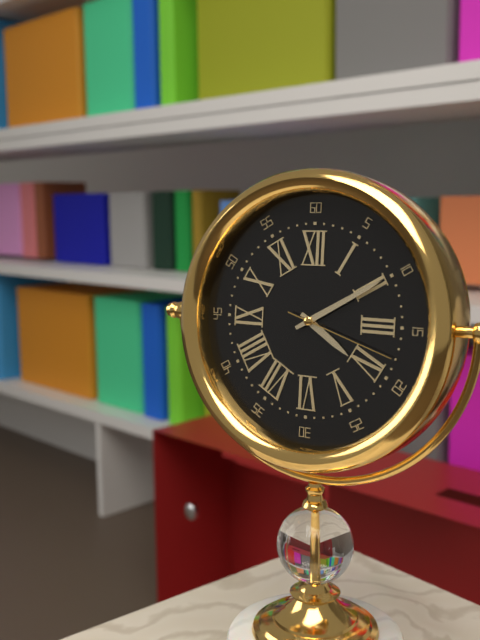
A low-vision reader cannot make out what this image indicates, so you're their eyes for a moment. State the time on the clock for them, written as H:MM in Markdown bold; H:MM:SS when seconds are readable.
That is **4:10:18**
